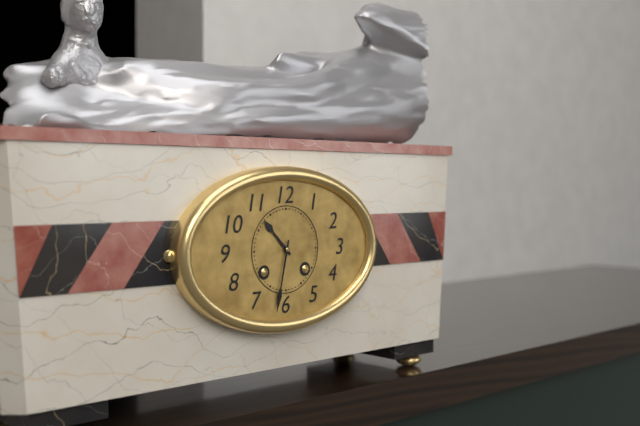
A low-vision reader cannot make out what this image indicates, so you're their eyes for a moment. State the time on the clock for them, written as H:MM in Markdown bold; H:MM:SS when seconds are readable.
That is **10:32**
